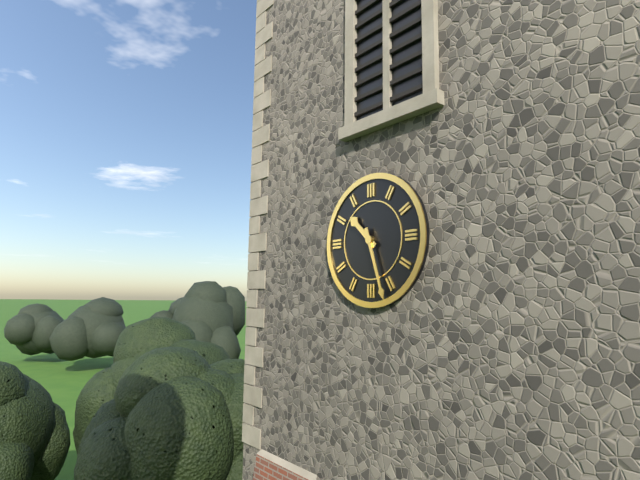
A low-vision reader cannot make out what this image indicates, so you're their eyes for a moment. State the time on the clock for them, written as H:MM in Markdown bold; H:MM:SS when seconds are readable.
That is **10:27**
